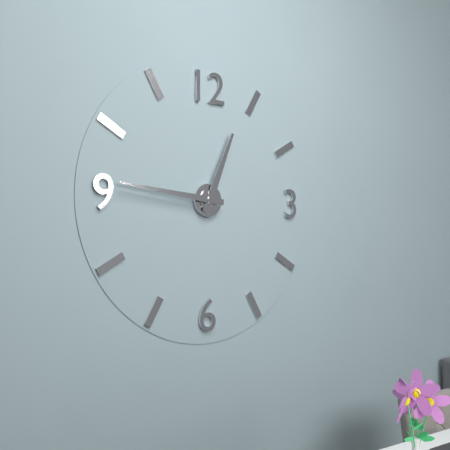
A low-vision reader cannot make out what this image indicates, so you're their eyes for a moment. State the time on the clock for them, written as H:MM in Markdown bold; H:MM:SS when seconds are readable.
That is **12:46**
